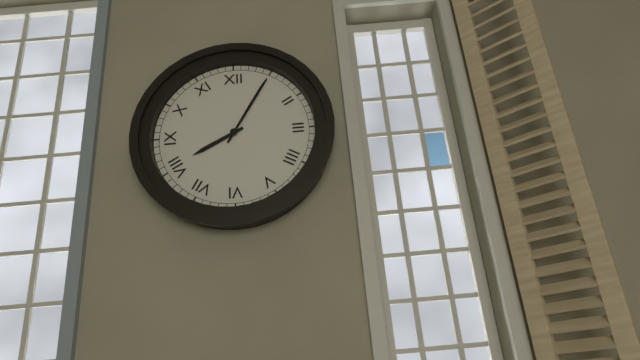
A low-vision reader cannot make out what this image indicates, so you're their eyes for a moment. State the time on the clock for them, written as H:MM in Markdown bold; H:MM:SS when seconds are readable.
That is **8:05**
